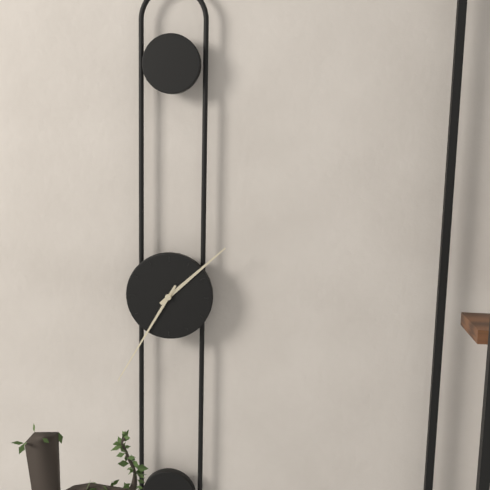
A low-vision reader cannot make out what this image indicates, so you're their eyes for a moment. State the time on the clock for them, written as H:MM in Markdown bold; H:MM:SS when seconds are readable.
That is **1:35**
